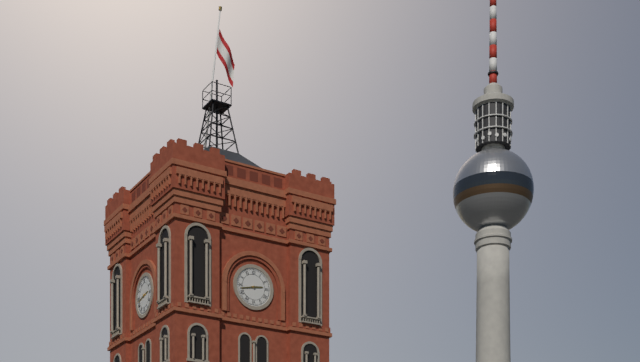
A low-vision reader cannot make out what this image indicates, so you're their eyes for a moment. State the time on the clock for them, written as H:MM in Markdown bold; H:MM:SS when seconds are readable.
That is **2:43**
